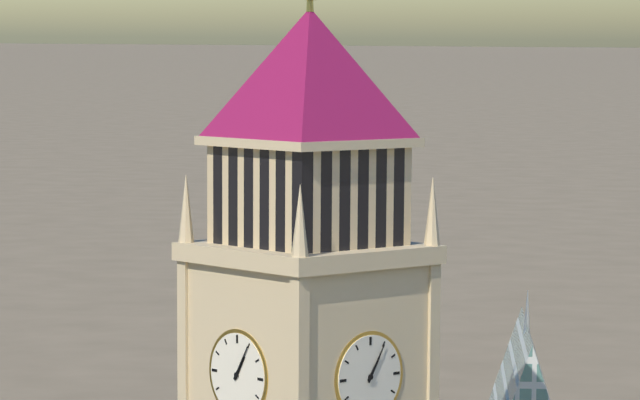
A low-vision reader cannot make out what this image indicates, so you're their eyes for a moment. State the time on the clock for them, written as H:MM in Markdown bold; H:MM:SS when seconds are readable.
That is **1:05**
